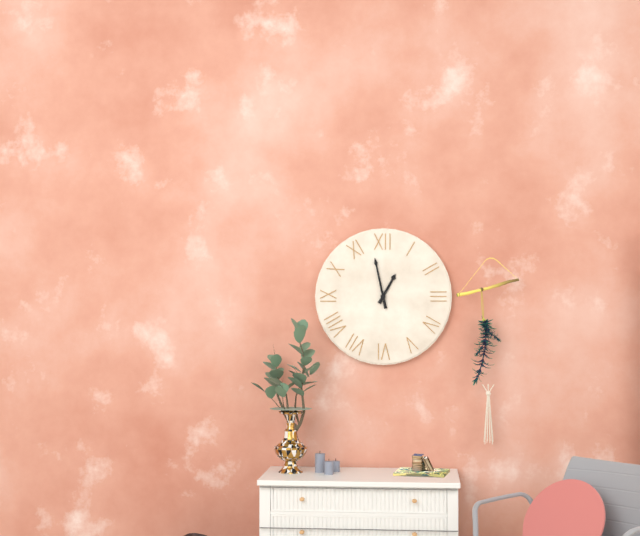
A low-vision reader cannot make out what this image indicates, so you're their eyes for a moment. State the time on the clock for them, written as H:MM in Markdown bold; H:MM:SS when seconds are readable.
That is **12:58**
